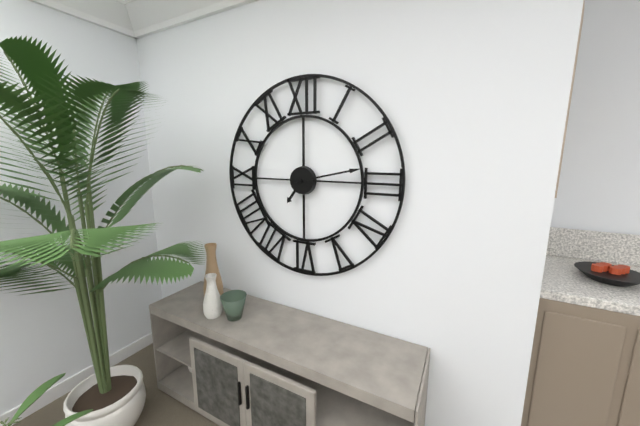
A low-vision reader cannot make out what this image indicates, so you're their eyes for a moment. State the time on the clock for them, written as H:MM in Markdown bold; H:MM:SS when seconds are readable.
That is **7:13**
